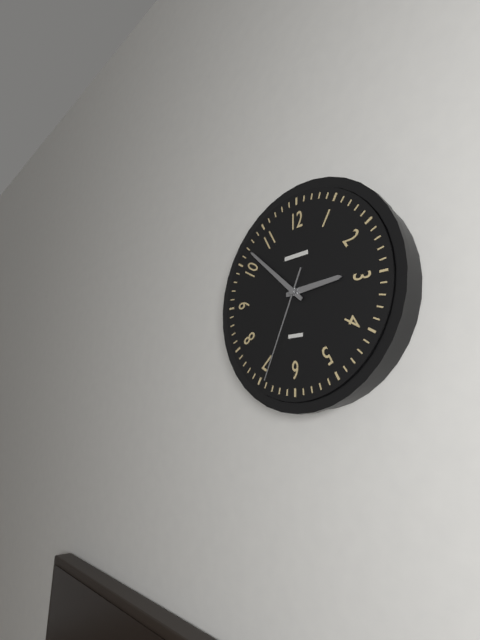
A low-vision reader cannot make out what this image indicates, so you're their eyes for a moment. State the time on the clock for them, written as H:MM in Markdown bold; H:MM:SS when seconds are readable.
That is **2:52:34**
